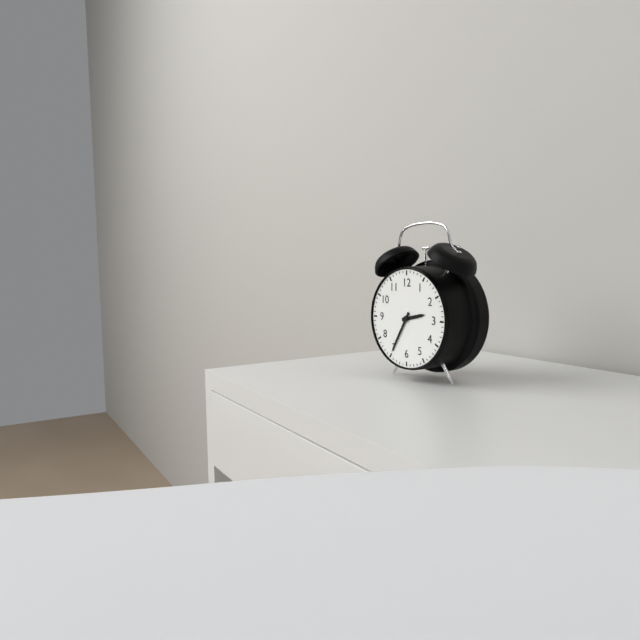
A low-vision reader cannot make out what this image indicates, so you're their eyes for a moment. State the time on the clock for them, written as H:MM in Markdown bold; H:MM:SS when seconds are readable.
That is **2:35**
